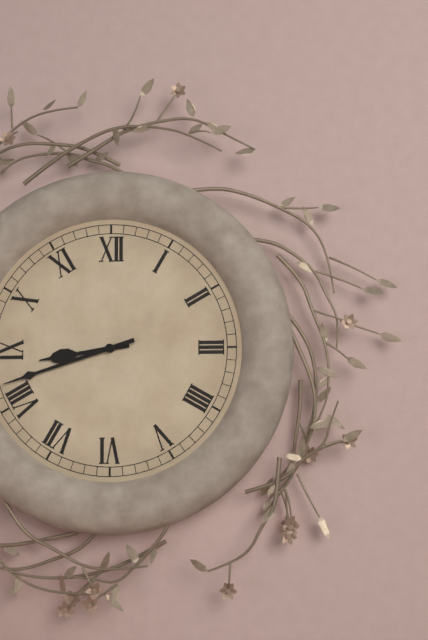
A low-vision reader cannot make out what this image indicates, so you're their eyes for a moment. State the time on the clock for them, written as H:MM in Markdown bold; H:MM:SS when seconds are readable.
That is **8:42**
